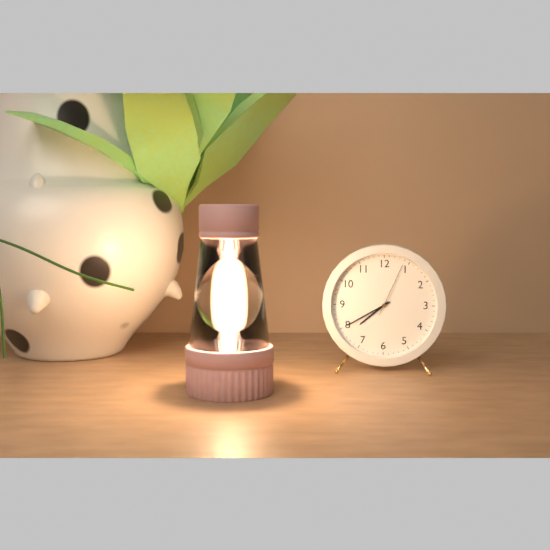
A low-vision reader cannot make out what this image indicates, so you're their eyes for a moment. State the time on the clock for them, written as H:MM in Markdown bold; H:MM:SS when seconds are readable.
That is **7:40:04**
